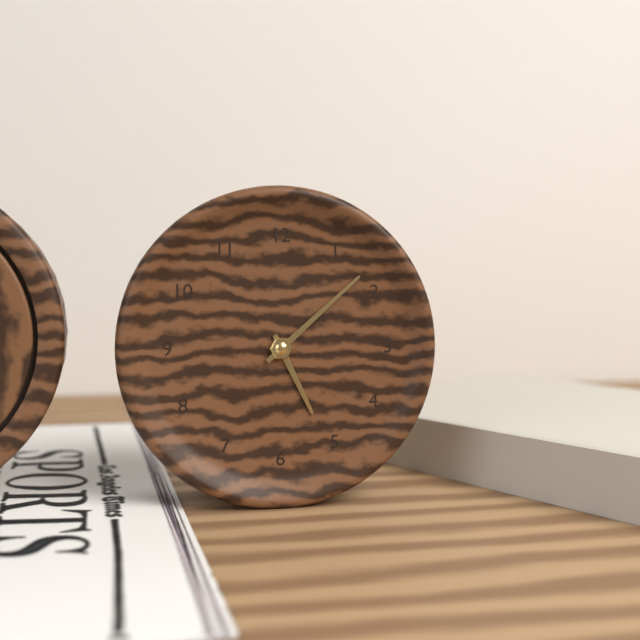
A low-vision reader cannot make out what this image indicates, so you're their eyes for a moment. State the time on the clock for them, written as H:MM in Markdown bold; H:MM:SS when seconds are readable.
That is **5:08**
